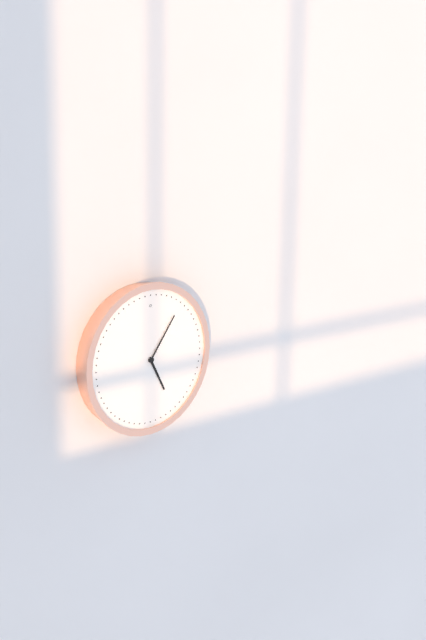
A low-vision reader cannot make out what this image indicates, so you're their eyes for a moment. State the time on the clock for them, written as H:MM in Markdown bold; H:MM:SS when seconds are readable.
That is **5:06**
